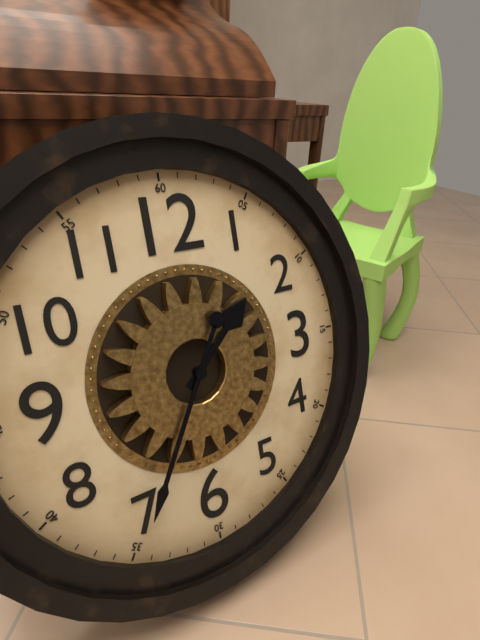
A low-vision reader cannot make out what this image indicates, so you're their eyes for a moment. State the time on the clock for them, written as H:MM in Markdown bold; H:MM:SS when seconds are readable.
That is **1:35**
